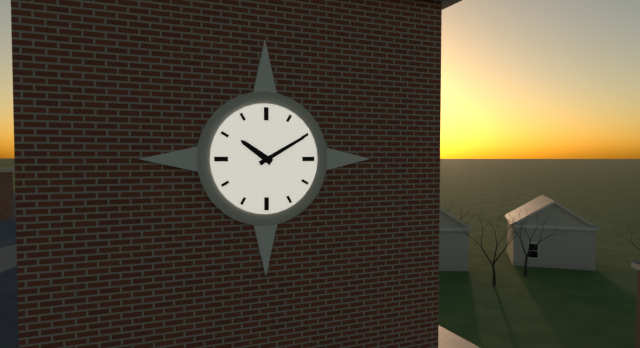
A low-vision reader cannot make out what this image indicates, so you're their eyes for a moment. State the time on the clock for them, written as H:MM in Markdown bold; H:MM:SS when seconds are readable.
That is **10:10**
